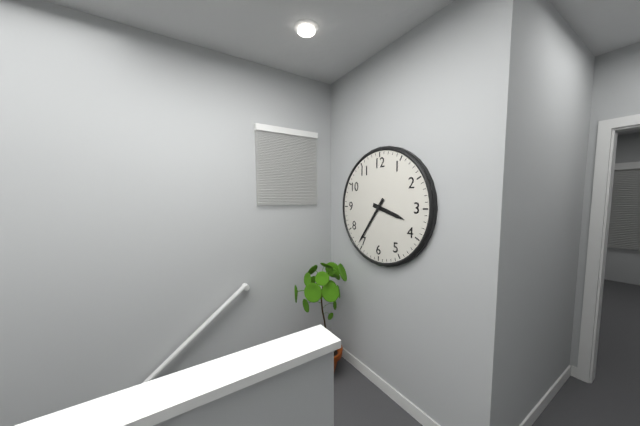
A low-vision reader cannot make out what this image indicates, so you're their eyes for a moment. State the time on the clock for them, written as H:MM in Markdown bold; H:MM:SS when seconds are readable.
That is **3:36**
